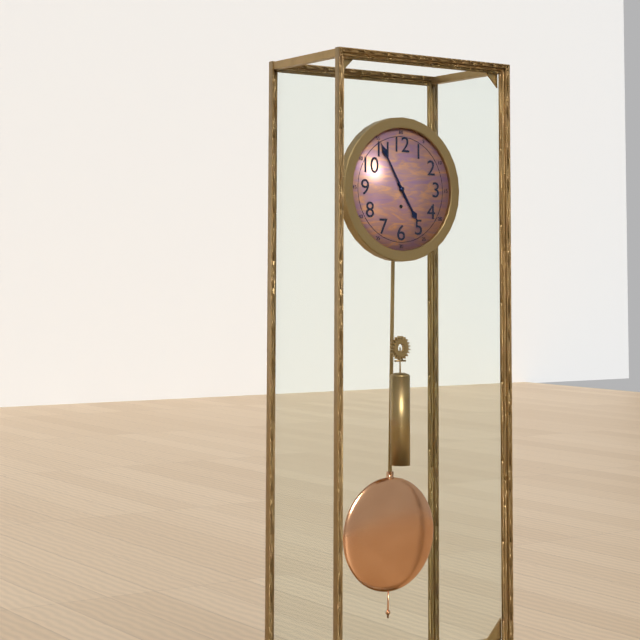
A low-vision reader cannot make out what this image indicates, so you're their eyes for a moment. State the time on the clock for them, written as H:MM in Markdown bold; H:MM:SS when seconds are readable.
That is **4:55**
